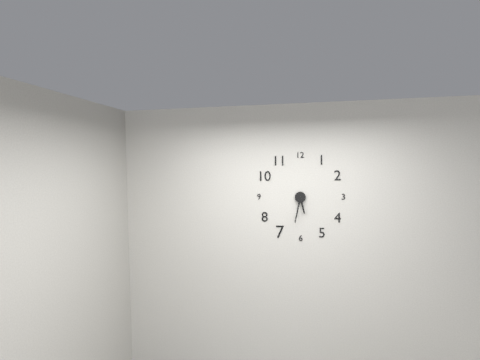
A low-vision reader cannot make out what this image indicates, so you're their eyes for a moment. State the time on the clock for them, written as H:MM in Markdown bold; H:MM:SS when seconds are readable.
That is **5:32**
